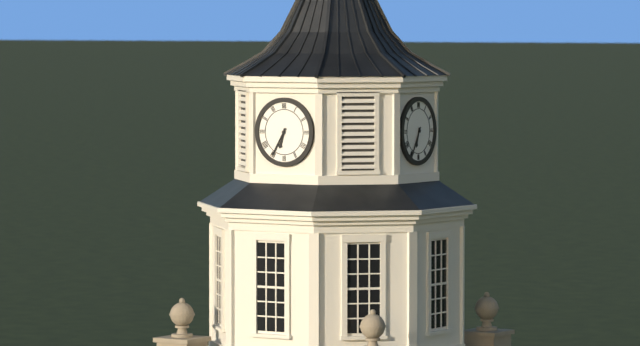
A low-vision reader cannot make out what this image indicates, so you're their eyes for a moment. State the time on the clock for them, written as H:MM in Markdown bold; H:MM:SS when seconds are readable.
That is **6:35**
